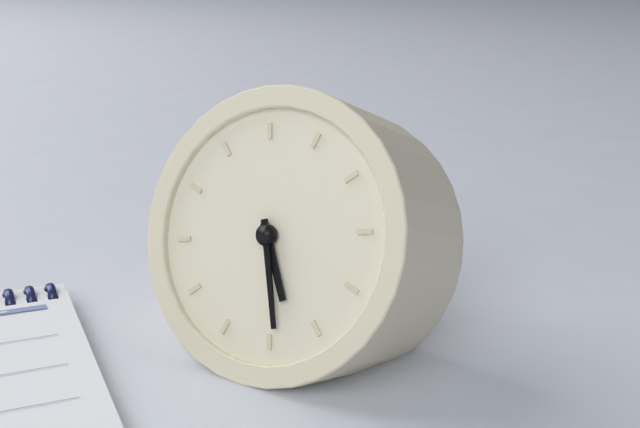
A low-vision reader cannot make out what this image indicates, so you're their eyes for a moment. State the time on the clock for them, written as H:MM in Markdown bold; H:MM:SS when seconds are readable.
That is **5:29**
